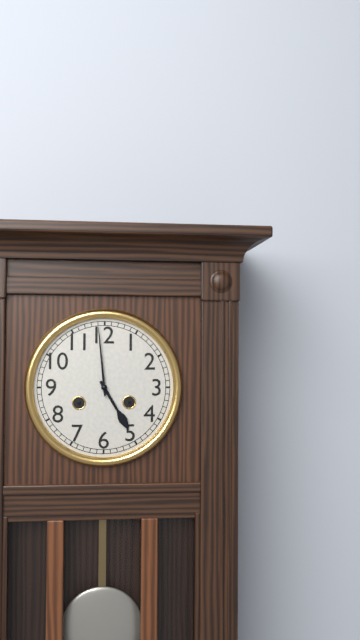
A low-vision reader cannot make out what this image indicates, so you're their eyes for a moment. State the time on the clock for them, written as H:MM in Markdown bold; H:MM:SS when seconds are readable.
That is **4:59**
